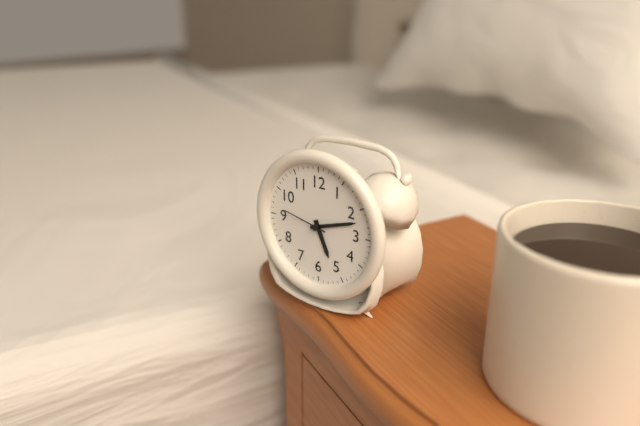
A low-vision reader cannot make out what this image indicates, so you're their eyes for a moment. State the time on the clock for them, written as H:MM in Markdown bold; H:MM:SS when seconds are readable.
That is **5:12**
